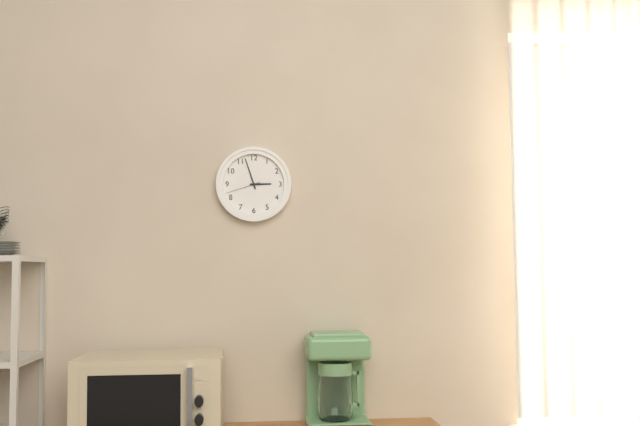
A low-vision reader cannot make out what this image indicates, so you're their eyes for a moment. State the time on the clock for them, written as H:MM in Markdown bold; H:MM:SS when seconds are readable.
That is **2:57**
